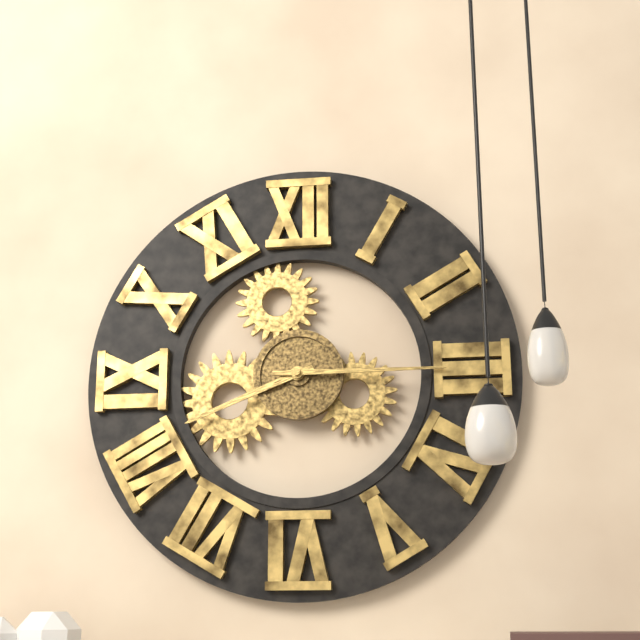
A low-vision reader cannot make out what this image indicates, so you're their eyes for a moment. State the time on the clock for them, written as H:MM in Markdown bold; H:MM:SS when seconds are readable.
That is **8:15**
